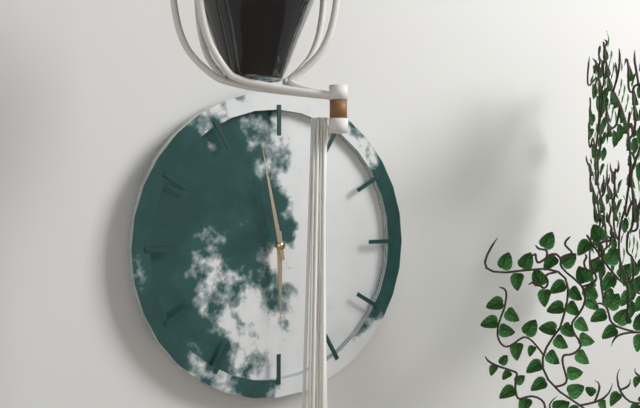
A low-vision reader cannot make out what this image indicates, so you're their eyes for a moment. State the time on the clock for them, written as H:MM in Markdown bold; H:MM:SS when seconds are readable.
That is **5:58**
